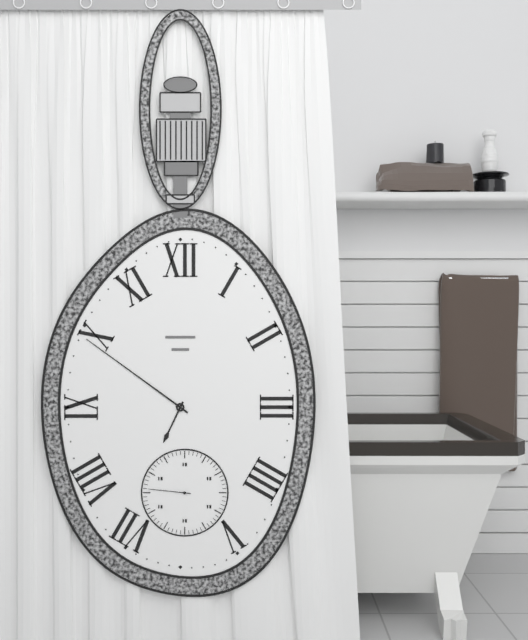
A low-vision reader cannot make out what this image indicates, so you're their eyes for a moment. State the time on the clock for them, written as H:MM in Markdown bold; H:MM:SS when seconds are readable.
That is **6:51**
